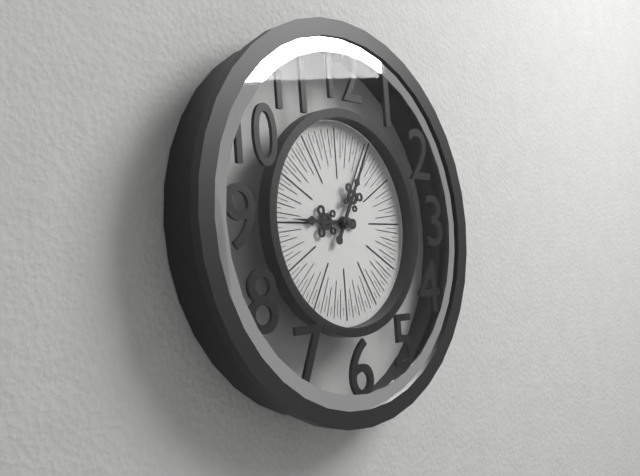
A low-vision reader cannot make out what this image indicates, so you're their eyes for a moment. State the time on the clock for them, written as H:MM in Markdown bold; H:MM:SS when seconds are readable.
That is **9:05**
